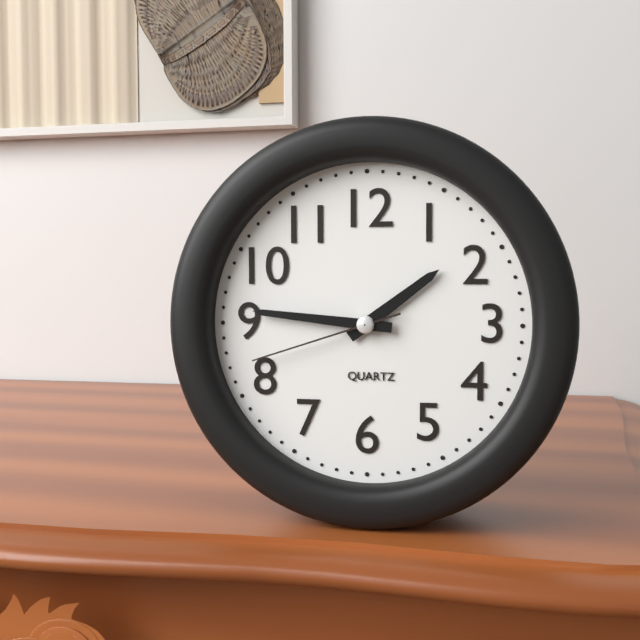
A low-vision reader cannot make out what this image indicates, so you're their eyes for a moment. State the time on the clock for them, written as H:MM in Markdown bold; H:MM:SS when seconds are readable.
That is **1:46:42**
